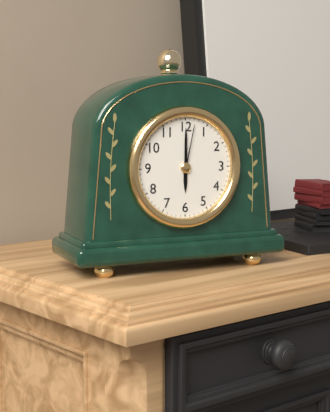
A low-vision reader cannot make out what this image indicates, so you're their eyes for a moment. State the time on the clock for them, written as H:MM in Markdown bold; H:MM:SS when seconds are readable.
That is **6:00:02**
